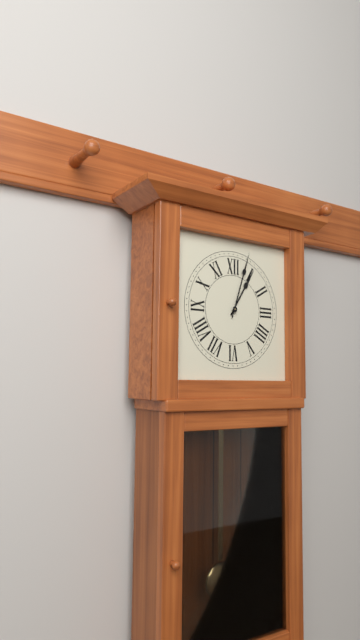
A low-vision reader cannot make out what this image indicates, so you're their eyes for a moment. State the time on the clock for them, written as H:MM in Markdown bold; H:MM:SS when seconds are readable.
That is **1:03**
